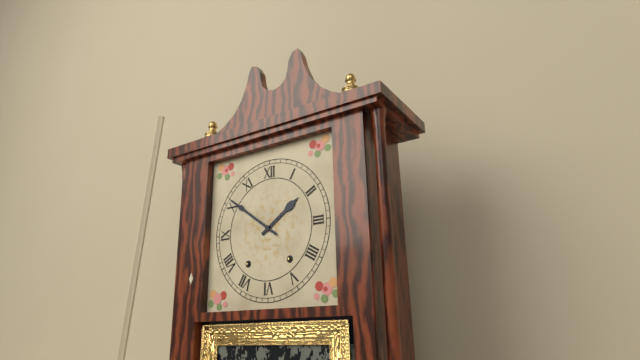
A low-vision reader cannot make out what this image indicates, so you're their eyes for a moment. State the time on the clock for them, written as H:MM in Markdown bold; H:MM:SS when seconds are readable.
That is **1:51**
